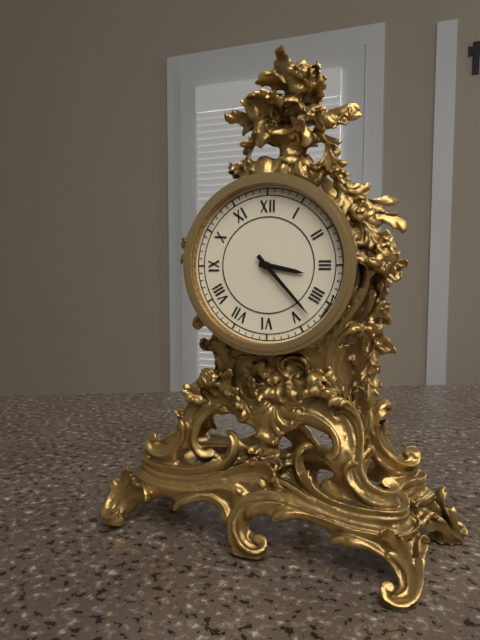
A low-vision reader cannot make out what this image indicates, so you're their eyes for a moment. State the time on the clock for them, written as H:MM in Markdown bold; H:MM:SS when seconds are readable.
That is **3:23**
